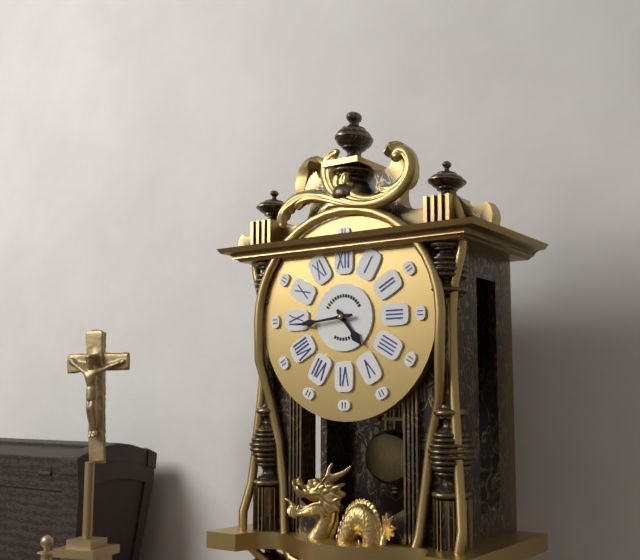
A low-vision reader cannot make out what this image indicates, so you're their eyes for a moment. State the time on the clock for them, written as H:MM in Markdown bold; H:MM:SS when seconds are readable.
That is **4:44**
